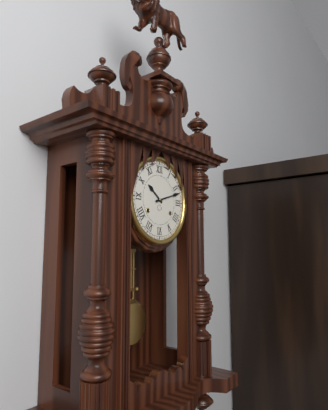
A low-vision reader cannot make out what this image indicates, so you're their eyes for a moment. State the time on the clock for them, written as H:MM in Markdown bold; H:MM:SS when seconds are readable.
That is **10:12**
